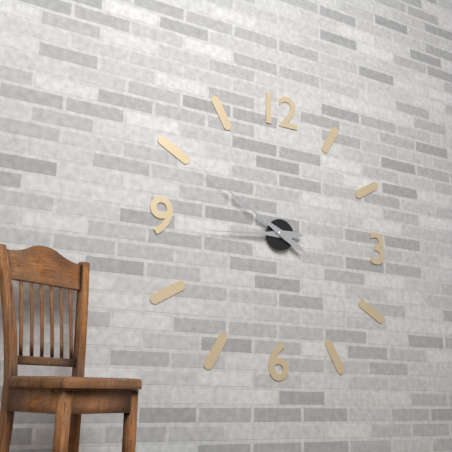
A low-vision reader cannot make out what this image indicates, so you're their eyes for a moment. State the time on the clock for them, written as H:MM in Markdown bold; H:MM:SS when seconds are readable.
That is **8:50**
